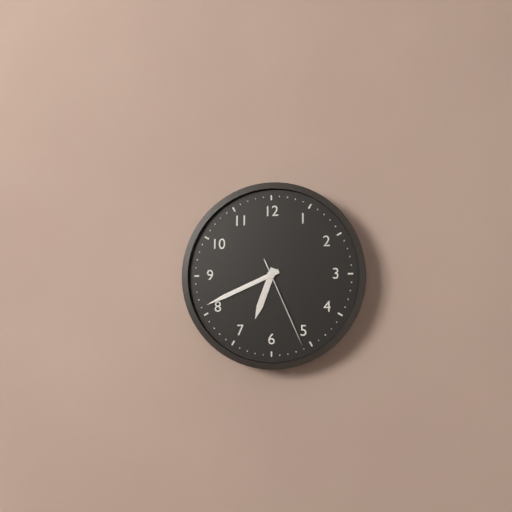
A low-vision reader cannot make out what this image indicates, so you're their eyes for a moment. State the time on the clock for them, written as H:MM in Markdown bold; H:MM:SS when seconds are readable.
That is **6:41:26**
